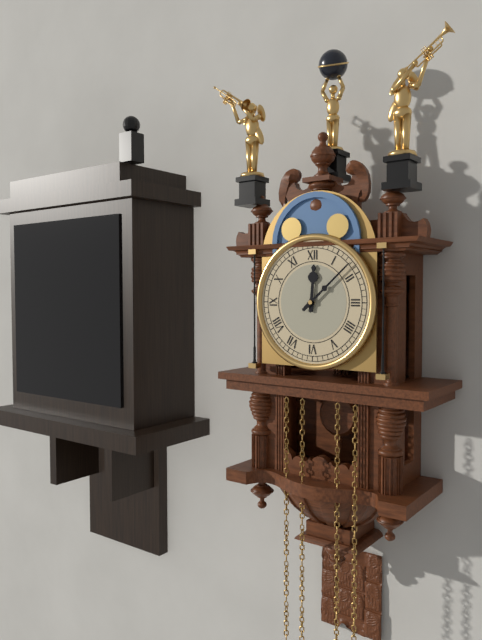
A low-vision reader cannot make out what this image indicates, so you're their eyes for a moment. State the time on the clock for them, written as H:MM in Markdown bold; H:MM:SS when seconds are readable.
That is **12:08**
